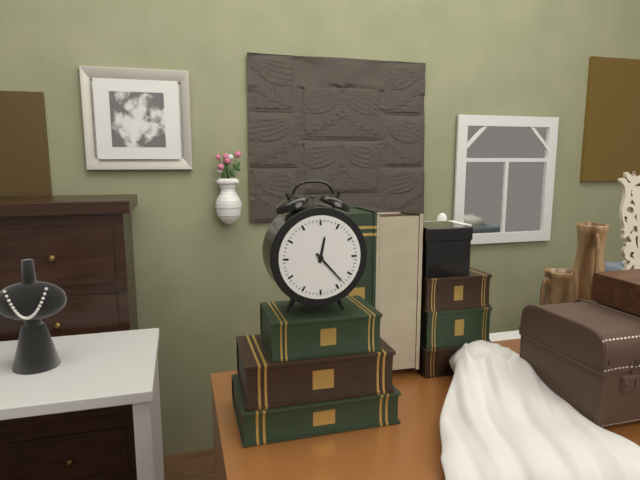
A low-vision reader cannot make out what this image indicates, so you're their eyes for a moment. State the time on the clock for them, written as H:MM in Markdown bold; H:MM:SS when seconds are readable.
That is **12:23**
